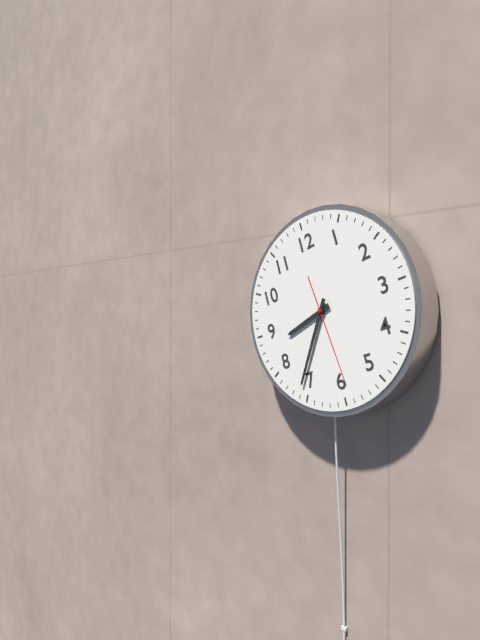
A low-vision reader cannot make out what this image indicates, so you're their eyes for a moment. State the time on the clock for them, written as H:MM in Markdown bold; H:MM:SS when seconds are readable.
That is **8:36:29**
